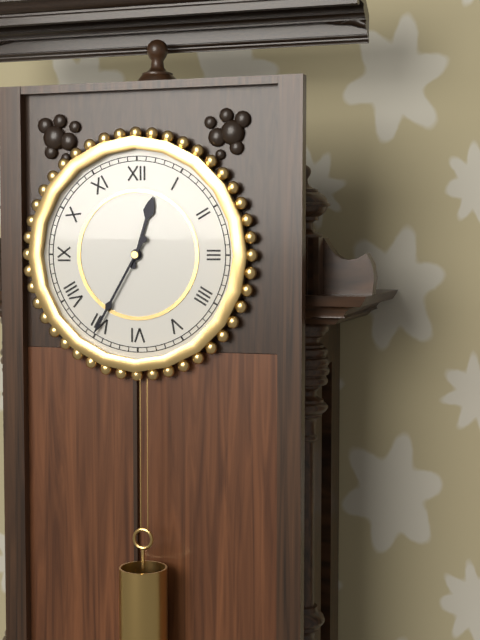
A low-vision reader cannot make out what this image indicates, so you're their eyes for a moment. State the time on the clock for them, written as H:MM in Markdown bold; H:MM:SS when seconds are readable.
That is **12:35**
